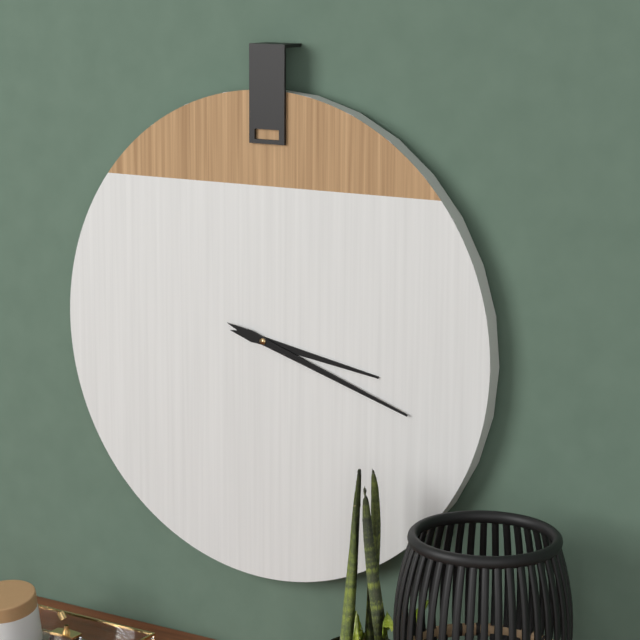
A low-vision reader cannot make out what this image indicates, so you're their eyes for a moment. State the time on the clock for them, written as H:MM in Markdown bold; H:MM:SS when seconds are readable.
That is **3:18**
